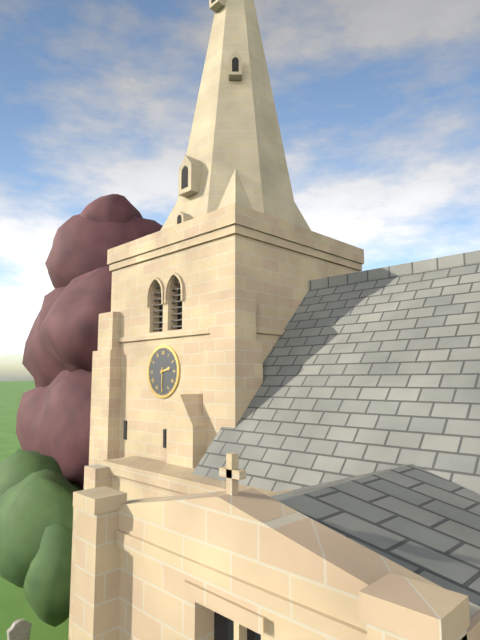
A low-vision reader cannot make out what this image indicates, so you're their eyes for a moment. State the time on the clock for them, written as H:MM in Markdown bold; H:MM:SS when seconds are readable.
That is **2:30**
